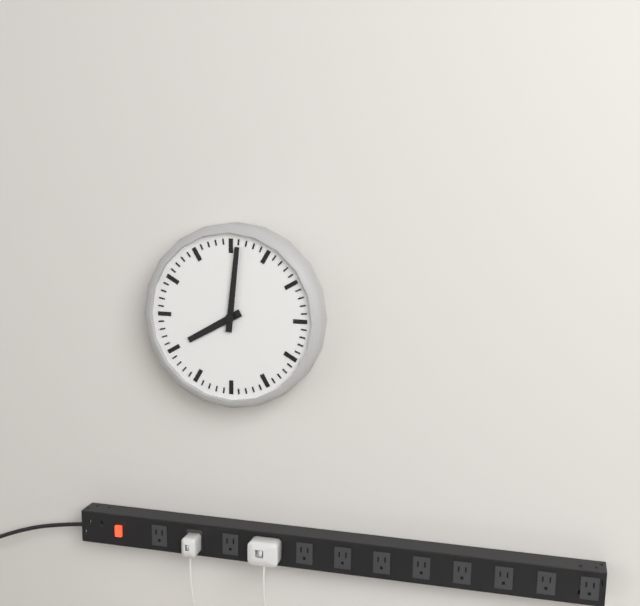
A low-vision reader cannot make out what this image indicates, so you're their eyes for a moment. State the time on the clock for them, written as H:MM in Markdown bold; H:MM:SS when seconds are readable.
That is **8:01**
